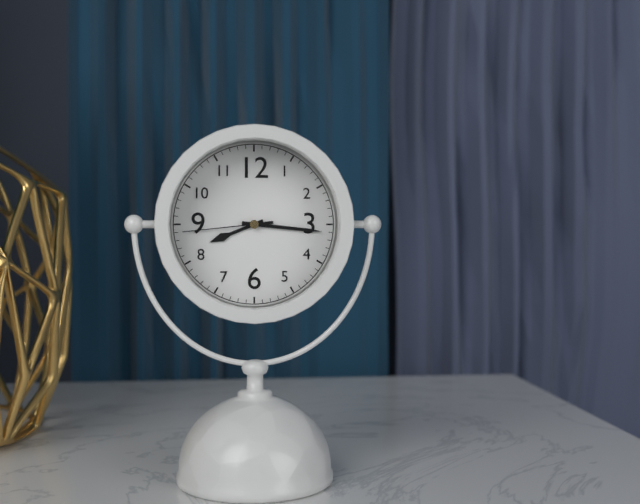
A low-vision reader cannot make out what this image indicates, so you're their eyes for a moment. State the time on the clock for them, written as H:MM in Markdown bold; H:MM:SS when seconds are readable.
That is **8:16:44**
